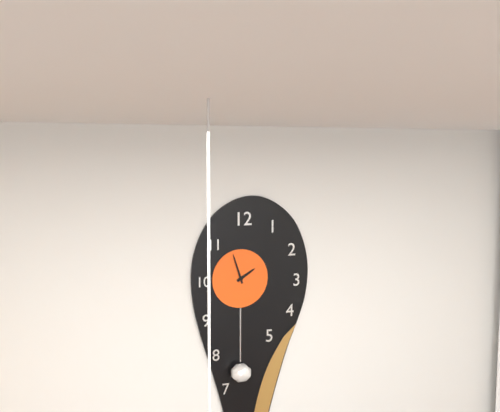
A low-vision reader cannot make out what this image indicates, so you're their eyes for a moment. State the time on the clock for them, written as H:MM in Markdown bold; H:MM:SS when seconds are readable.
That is **1:57**
